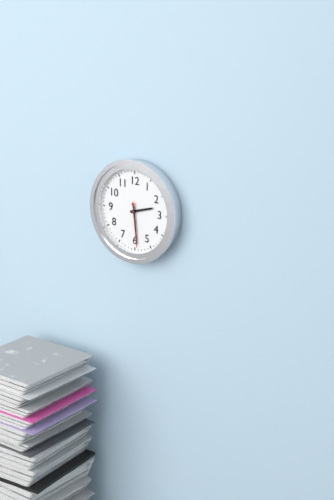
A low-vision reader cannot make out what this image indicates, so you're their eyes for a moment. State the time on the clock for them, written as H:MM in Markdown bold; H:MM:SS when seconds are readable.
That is **2:29**
